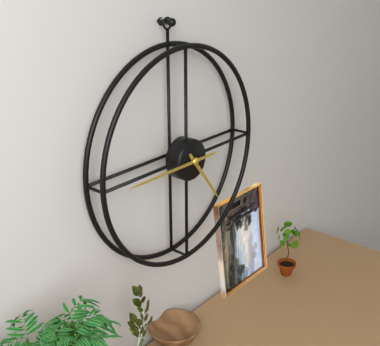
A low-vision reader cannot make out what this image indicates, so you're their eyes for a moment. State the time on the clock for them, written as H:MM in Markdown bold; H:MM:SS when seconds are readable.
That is **4:45**
